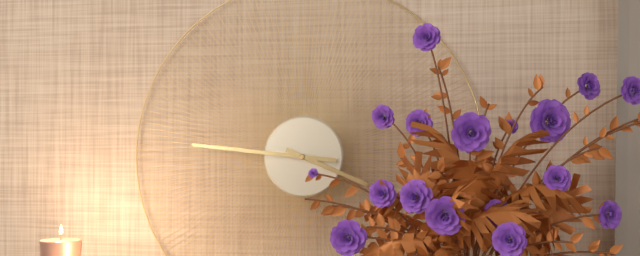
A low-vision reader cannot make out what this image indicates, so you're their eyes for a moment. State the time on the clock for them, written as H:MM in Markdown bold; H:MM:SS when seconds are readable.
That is **3:46**
